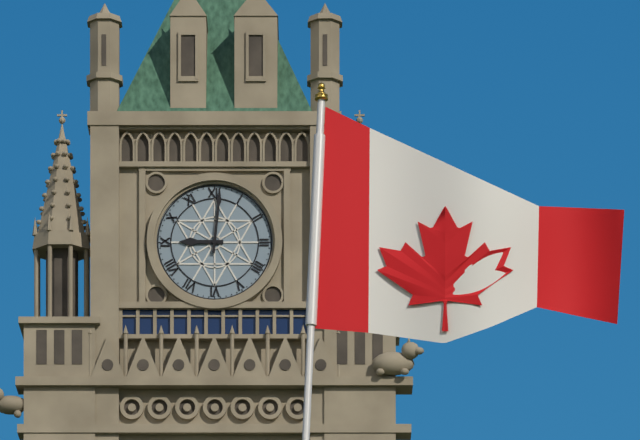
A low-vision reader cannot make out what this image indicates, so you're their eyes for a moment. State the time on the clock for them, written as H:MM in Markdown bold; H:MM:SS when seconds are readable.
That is **9:01**
